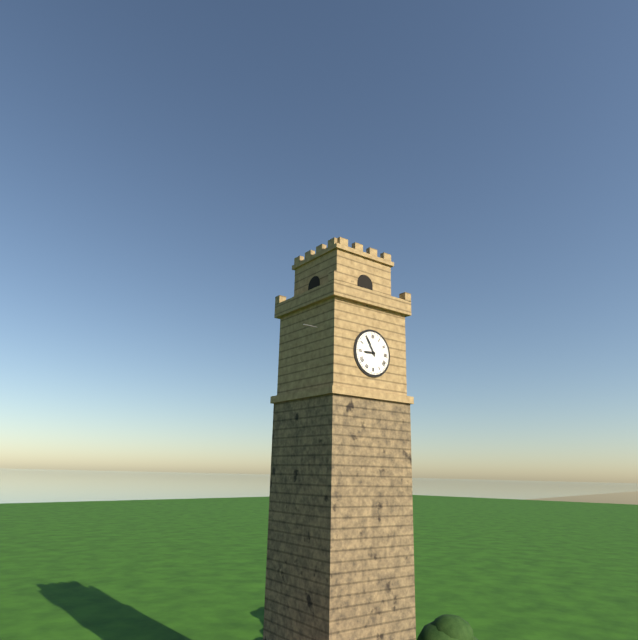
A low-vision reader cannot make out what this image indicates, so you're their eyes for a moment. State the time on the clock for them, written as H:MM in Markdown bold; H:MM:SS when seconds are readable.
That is **8:55**
